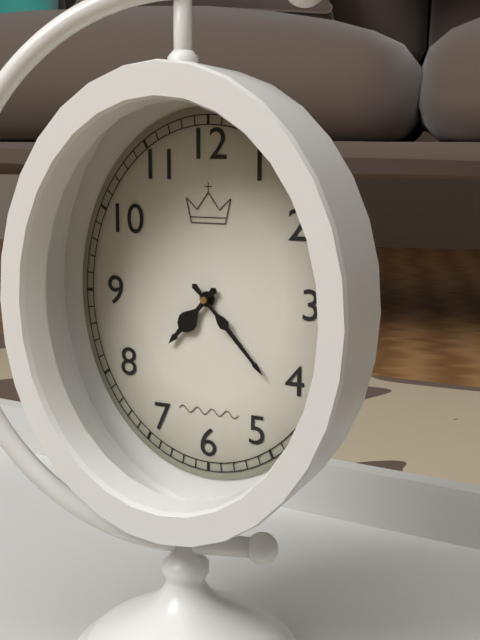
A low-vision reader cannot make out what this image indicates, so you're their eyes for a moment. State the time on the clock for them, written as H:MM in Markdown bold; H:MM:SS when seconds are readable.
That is **7:23**
